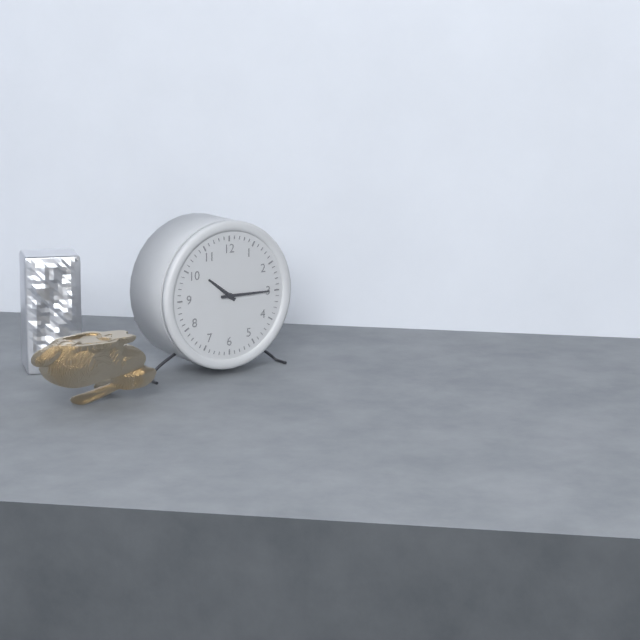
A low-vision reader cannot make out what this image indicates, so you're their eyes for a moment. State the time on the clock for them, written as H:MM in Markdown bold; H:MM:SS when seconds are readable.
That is **10:15**
